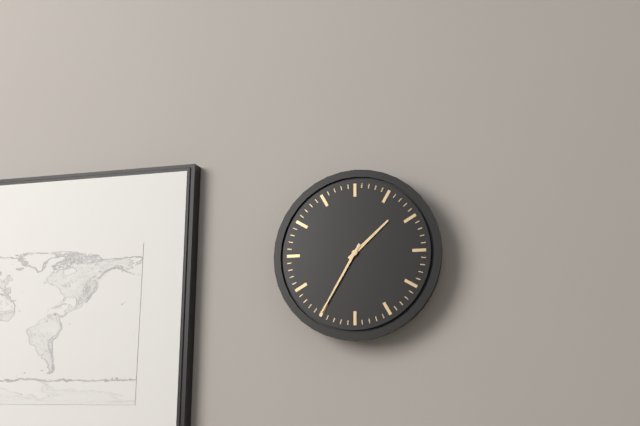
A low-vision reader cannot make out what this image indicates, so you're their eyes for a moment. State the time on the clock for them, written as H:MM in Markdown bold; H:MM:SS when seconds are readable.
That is **1:35**
